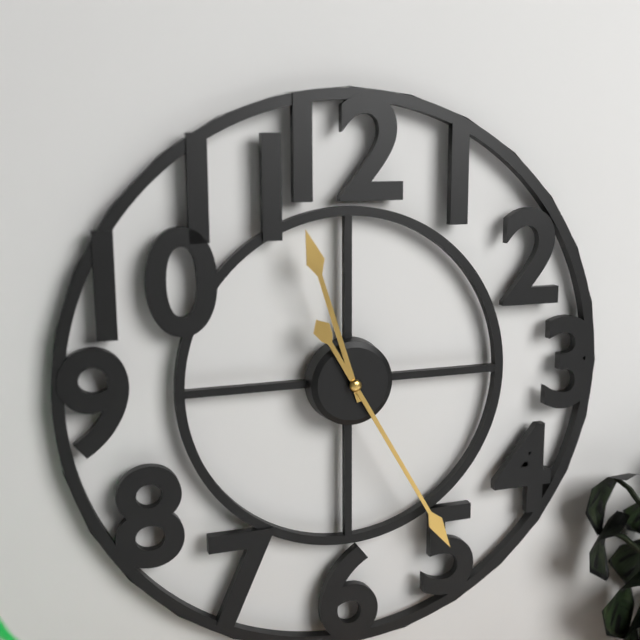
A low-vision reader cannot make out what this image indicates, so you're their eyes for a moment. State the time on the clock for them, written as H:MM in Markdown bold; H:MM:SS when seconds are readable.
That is **11:25**
